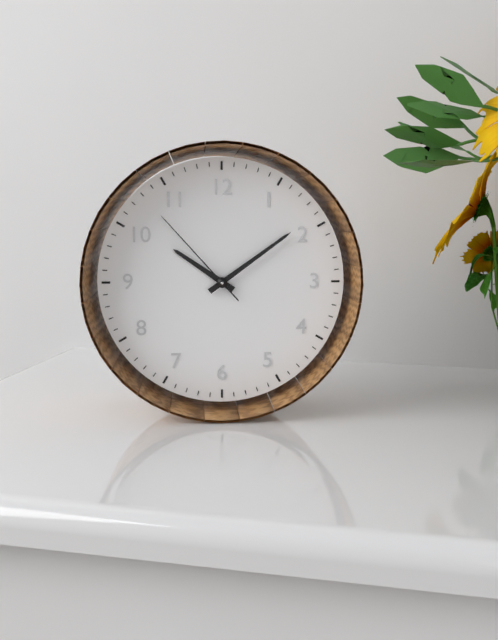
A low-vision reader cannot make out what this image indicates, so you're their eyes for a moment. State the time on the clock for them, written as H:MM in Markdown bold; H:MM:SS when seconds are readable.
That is **10:09:53**
